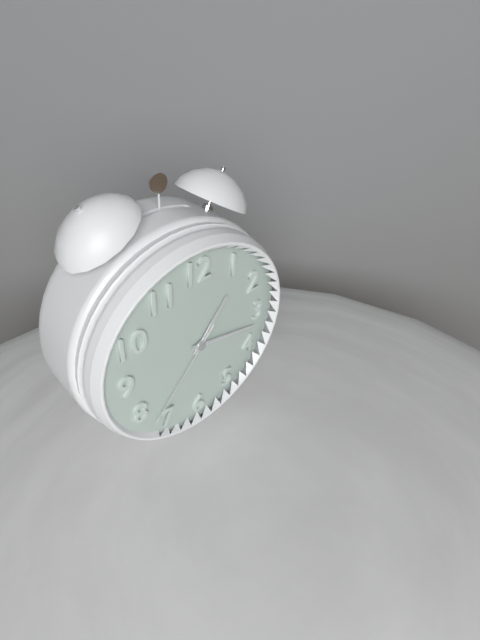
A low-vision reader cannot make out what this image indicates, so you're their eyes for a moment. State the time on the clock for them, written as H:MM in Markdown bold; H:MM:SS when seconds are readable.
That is **1:17:37**
